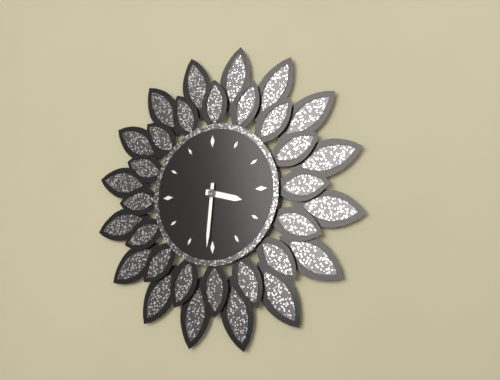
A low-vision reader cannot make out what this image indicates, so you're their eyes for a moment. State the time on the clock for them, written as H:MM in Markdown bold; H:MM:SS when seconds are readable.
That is **3:31**
